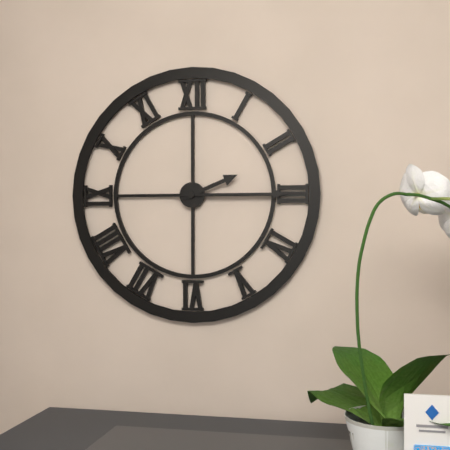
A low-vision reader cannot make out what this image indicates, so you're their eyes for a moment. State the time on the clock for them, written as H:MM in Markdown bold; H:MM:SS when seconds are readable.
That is **2:15**
